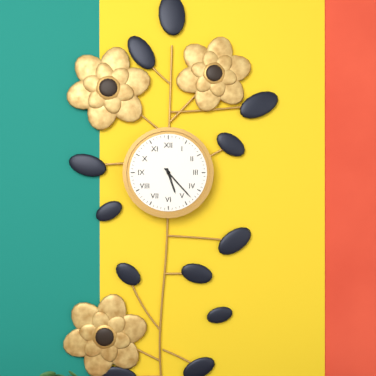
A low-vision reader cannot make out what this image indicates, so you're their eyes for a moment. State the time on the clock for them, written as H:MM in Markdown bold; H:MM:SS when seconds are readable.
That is **5:23**
